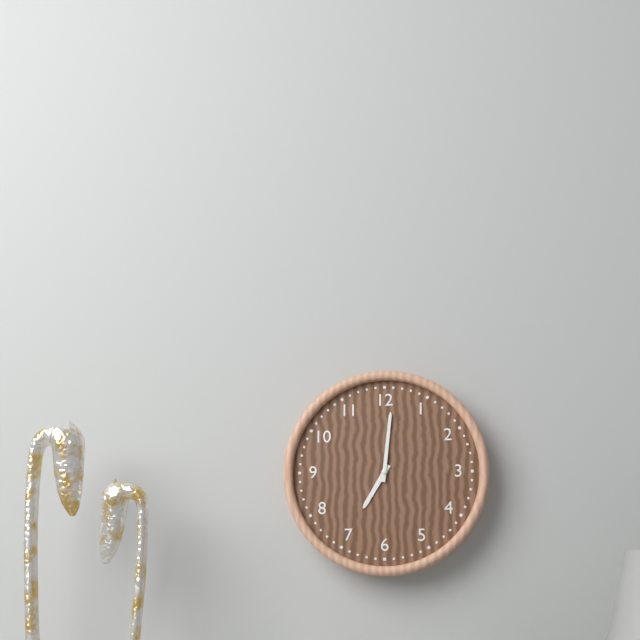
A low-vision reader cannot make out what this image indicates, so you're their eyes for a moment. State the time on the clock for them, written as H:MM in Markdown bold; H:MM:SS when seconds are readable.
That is **7:01**
